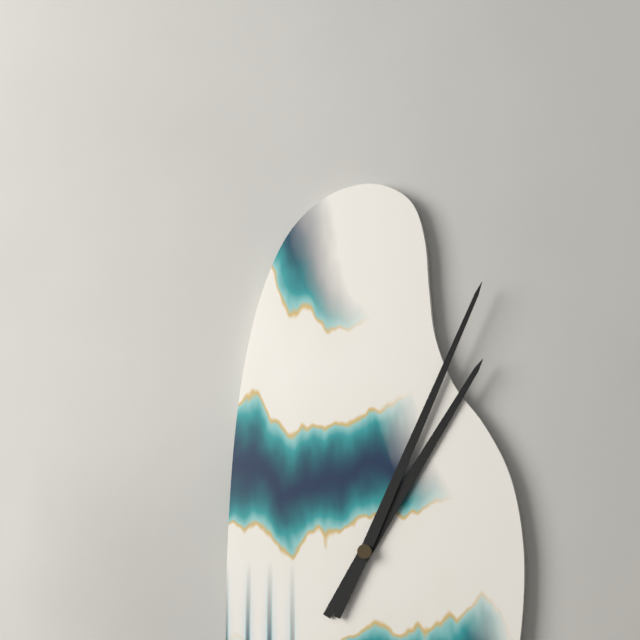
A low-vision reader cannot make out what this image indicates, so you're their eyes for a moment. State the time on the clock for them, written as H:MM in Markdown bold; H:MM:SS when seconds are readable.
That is **1:04**
